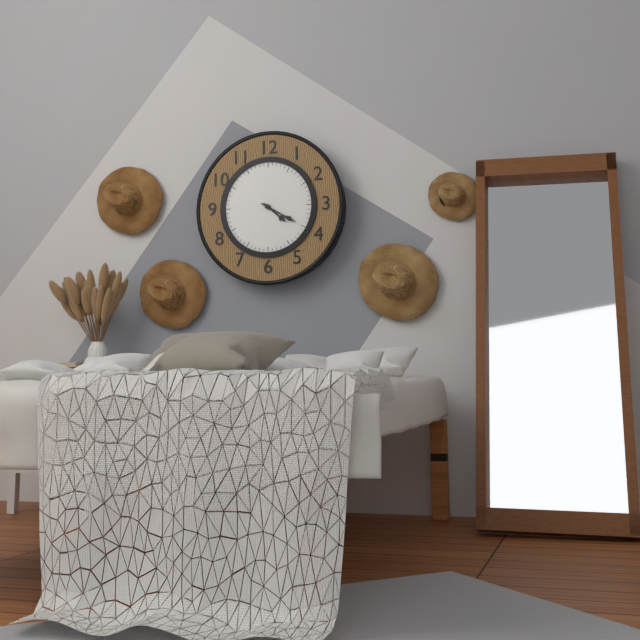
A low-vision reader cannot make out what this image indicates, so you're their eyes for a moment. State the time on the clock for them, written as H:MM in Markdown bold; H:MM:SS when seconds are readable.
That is **4:20**
